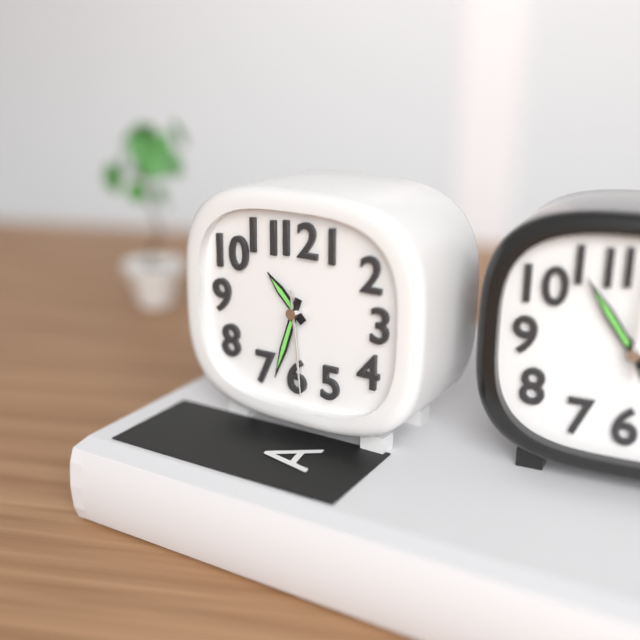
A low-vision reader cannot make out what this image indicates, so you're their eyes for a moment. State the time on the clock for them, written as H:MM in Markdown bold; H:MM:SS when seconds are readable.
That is **10:33:29**
